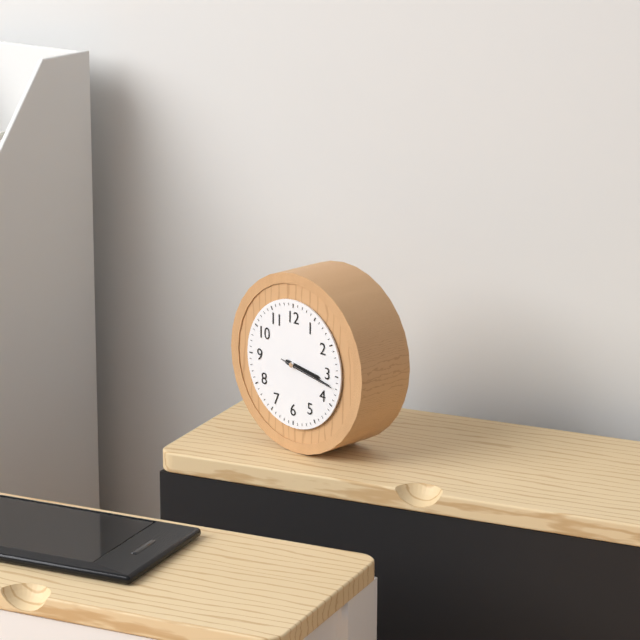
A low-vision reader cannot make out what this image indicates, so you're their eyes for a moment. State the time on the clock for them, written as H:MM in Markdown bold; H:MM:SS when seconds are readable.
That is **3:17:17**
